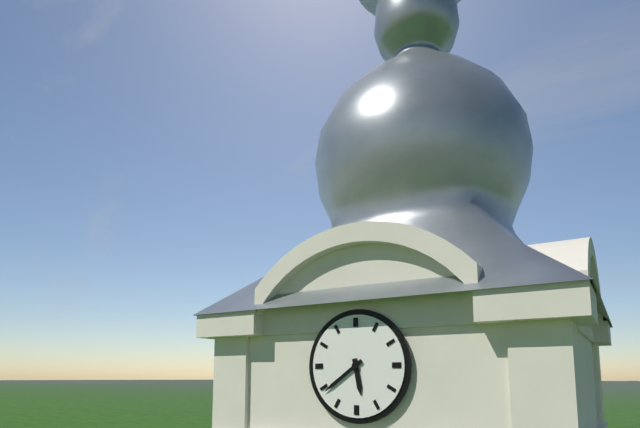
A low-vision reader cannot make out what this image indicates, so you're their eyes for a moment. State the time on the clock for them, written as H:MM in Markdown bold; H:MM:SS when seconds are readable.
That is **5:39**
